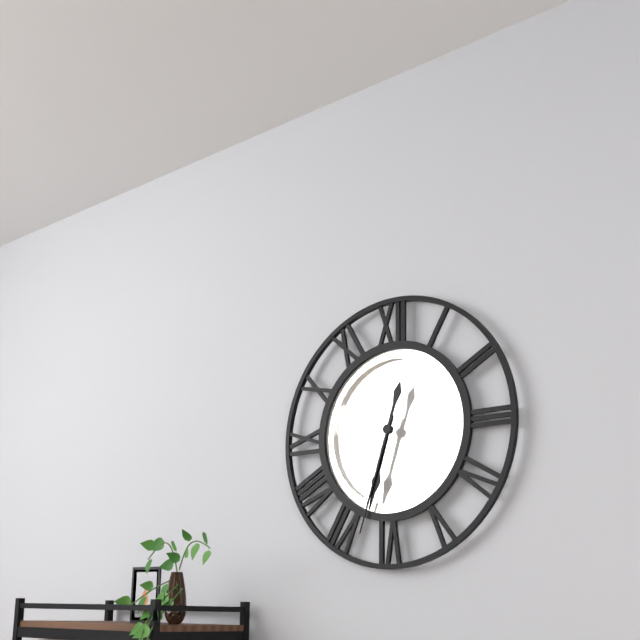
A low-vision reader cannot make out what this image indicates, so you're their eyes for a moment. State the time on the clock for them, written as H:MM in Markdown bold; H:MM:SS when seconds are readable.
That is **6:33**
